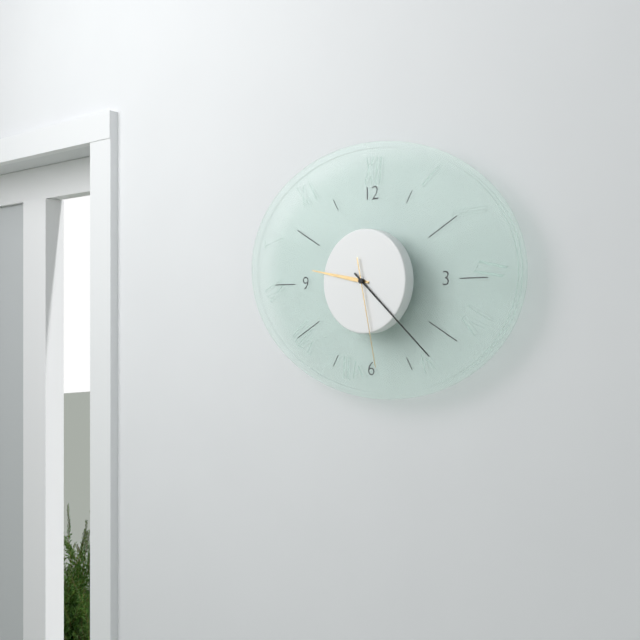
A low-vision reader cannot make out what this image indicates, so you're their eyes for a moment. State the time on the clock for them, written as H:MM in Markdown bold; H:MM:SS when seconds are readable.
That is **9:22:28**
